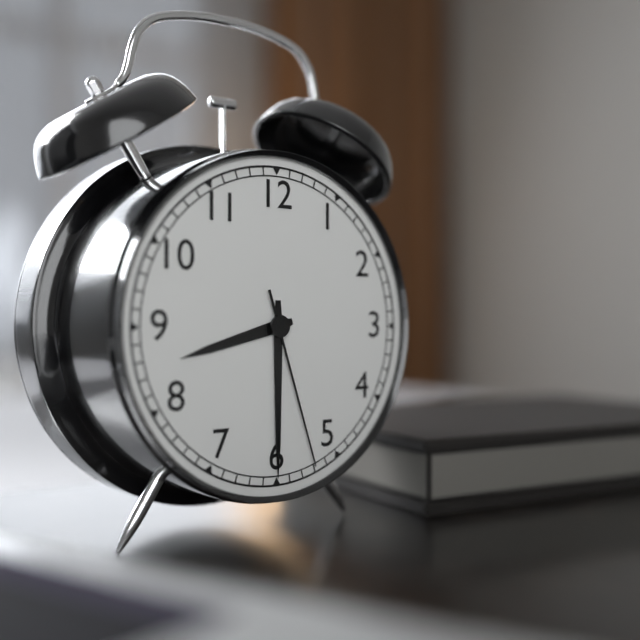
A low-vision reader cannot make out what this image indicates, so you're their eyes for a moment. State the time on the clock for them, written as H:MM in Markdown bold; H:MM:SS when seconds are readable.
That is **8:30:27**
